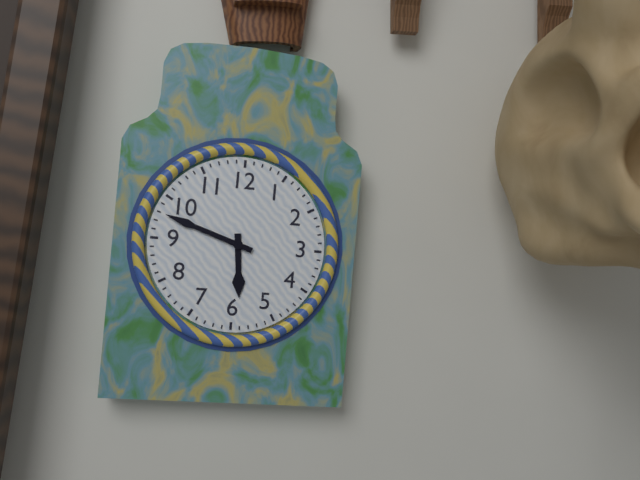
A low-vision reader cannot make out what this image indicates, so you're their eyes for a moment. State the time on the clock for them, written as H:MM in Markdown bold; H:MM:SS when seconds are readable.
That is **5:48**
